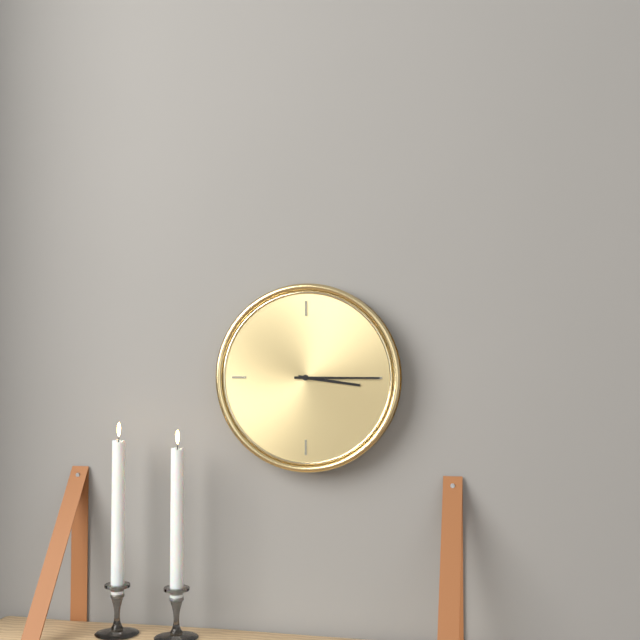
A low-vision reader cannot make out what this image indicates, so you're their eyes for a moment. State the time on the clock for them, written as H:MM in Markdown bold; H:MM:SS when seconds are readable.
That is **3:15**
